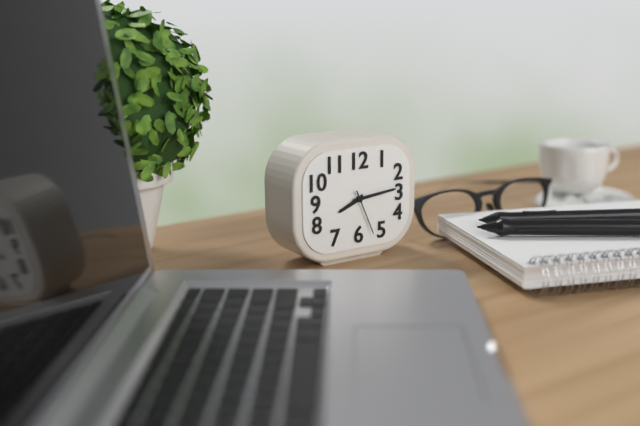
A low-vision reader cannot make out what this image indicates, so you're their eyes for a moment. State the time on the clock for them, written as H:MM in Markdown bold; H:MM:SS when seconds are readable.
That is **8:14**
